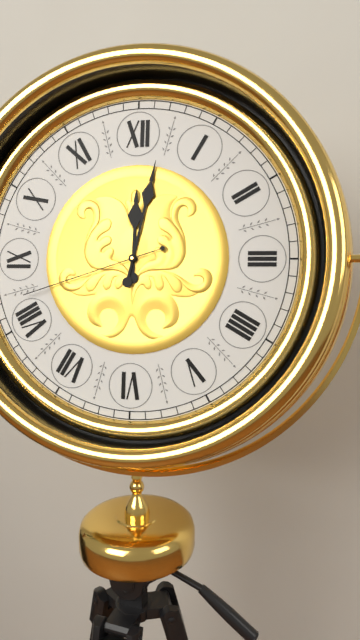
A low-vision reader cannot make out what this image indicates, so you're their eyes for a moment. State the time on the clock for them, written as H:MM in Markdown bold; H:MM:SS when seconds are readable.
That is **12:02:42**
